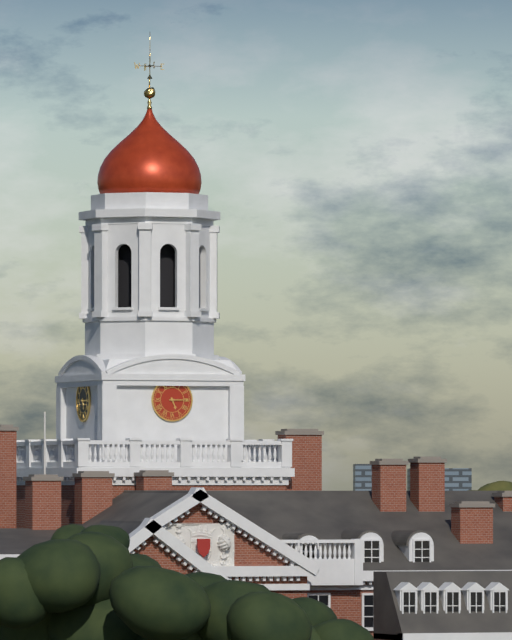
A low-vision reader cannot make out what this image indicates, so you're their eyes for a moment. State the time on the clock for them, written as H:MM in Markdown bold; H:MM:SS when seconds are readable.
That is **5:15**
